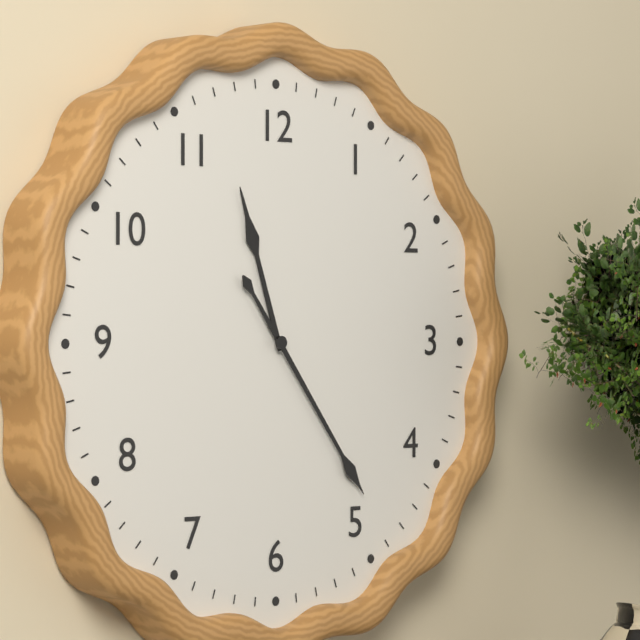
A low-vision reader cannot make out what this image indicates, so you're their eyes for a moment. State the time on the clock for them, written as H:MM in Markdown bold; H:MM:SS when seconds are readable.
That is **11:24**
